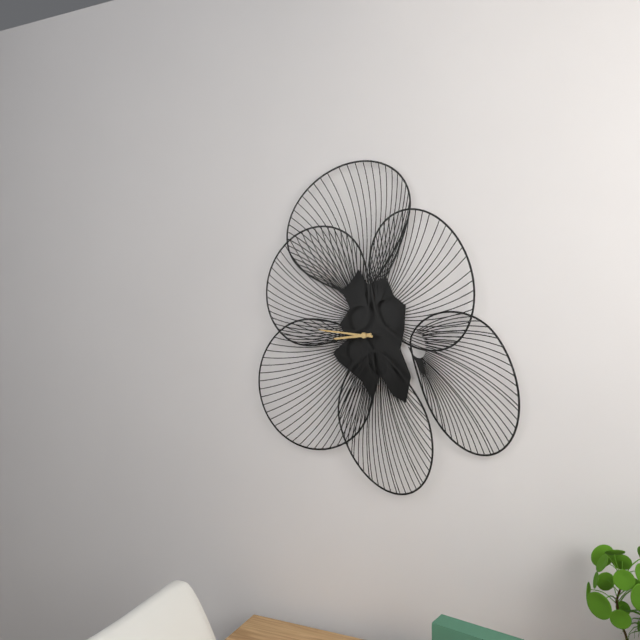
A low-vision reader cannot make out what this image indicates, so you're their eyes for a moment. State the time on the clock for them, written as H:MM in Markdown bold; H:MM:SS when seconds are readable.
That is **8:46**
